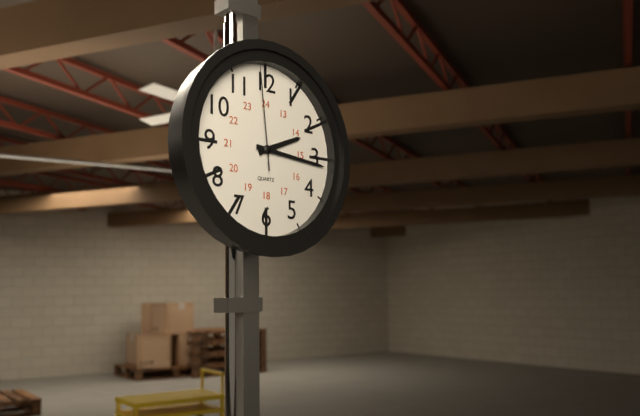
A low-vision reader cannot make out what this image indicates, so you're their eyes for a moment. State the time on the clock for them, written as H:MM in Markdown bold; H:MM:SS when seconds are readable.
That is **2:16:59**
